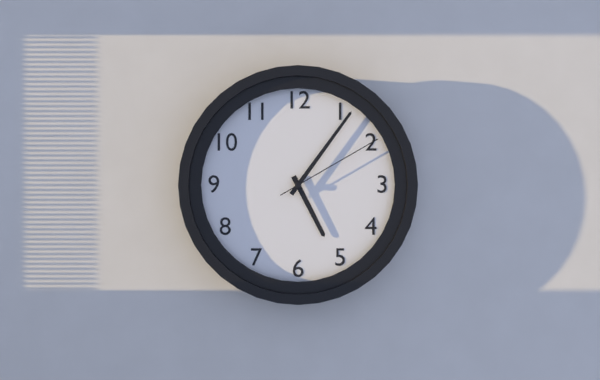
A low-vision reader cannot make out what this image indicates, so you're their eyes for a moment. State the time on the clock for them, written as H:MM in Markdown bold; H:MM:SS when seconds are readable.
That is **5:06:10**
